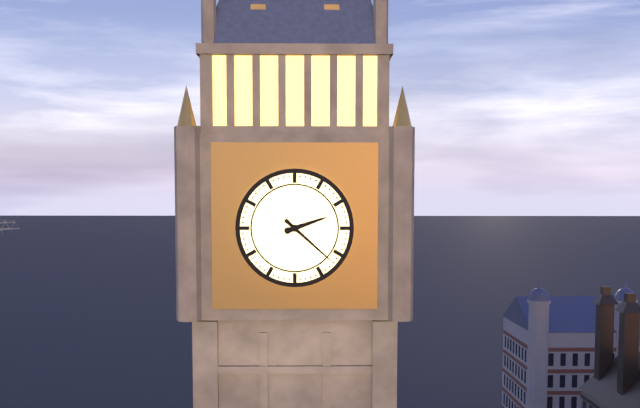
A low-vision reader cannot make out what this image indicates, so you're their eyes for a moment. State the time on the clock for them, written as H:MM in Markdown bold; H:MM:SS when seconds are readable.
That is **2:22**
